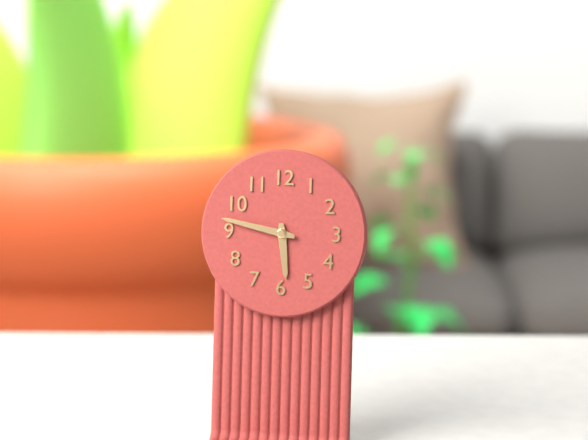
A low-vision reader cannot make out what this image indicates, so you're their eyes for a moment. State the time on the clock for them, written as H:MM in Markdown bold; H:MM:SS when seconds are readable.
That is **5:47**
